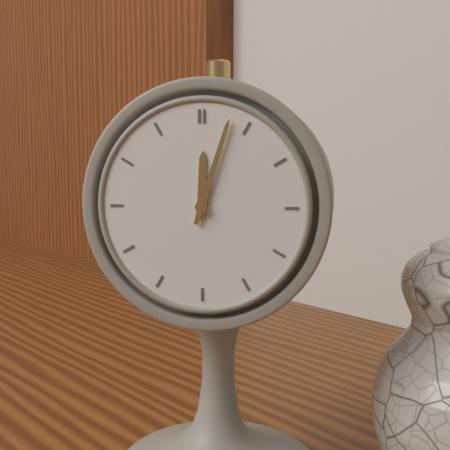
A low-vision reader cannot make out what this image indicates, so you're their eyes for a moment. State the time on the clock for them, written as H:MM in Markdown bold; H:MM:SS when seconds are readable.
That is **12:03**
